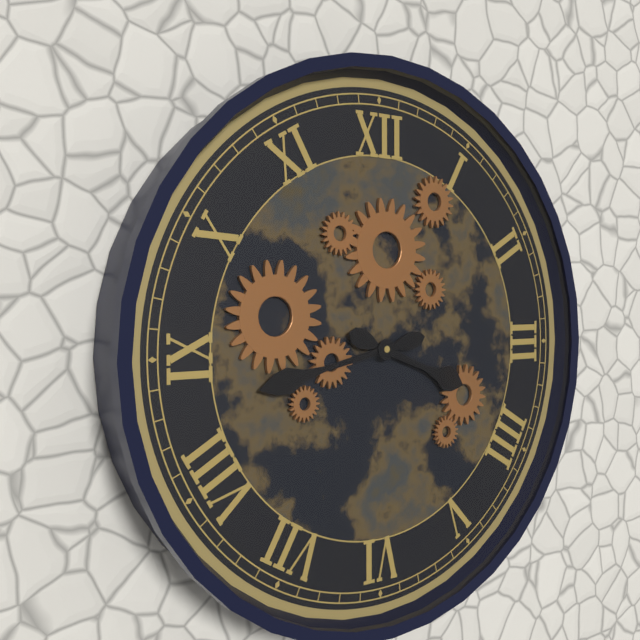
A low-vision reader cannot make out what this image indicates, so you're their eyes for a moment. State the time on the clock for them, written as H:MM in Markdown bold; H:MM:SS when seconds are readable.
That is **3:43**
